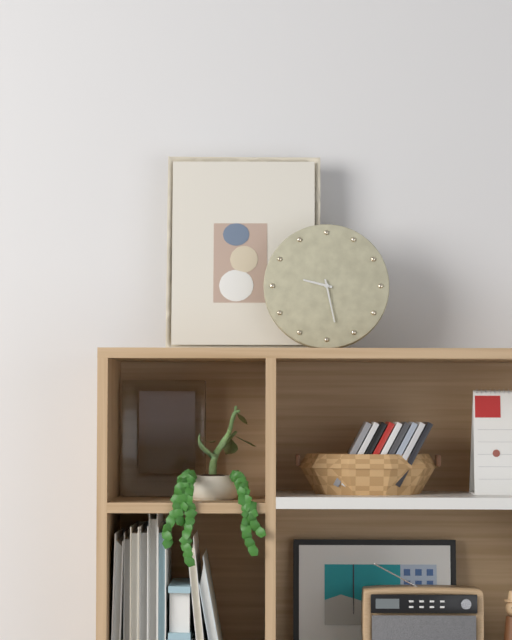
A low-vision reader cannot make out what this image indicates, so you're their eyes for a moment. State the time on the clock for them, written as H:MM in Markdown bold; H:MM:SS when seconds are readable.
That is **9:28**
